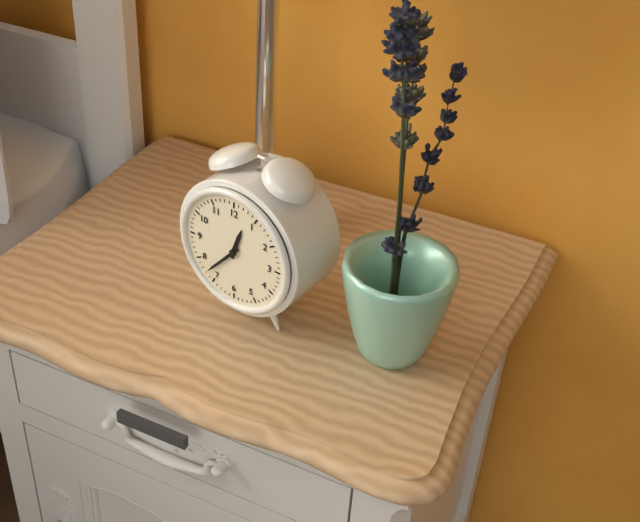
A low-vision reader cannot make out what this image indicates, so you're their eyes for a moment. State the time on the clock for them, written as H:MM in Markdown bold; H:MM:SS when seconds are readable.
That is **12:37**
